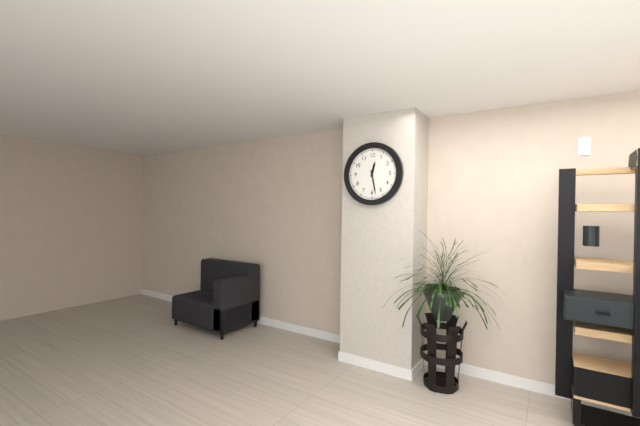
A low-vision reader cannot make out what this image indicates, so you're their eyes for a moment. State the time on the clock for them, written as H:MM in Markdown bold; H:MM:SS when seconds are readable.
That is **12:28**
